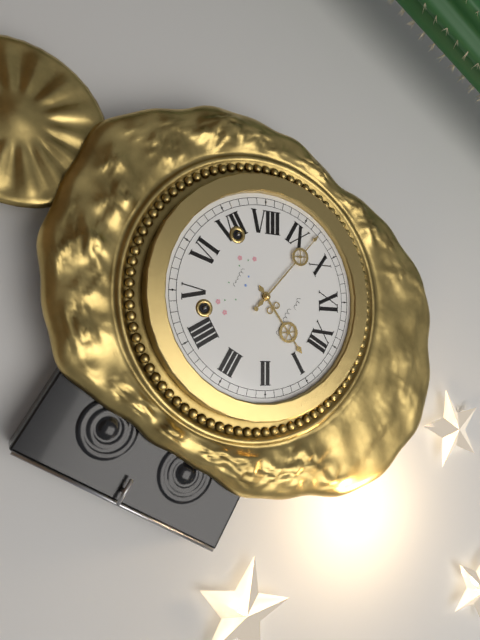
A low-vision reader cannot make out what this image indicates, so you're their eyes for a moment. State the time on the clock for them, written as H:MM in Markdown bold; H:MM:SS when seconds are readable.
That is **12:47**
